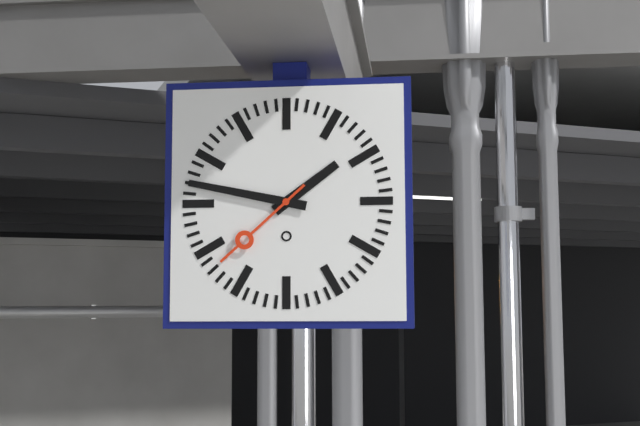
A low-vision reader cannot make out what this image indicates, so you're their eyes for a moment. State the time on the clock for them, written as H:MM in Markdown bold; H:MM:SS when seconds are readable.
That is **1:47:38**
